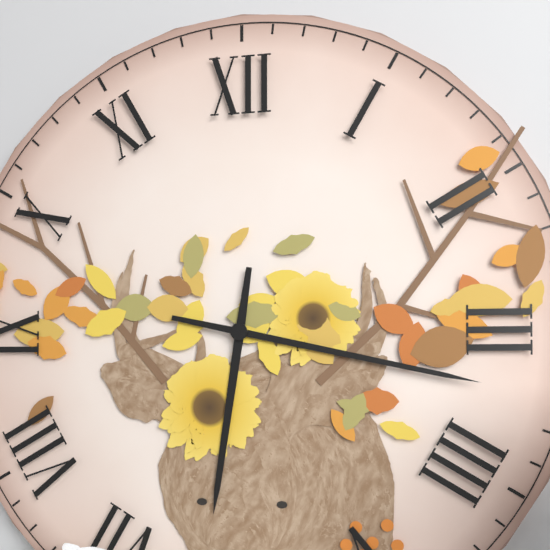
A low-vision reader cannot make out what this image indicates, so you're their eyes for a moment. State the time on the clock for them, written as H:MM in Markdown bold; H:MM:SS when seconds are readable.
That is **6:17**
